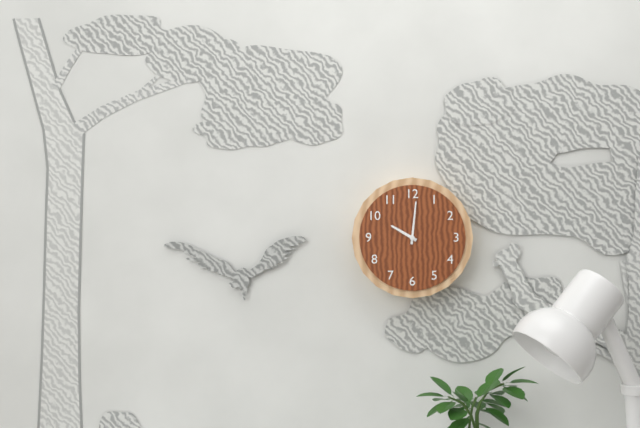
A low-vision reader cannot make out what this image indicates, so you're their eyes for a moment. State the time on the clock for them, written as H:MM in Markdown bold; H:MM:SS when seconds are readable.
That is **10:01**
